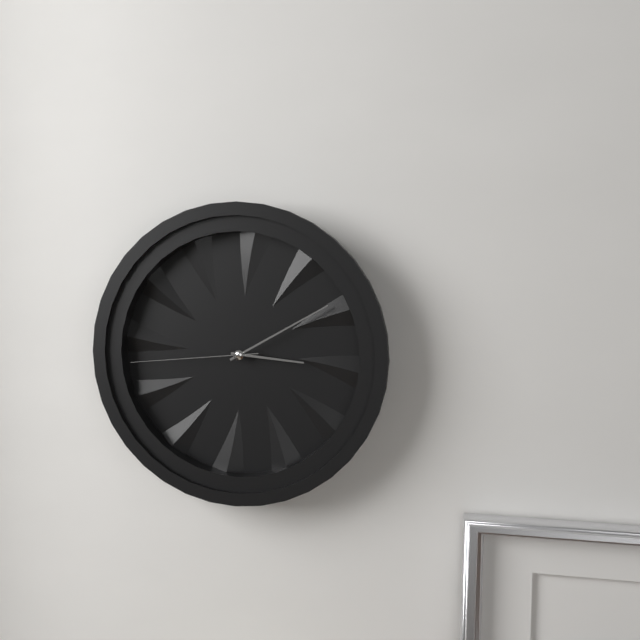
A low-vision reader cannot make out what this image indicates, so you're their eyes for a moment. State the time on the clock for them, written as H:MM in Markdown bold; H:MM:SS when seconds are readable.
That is **3:10:44**
